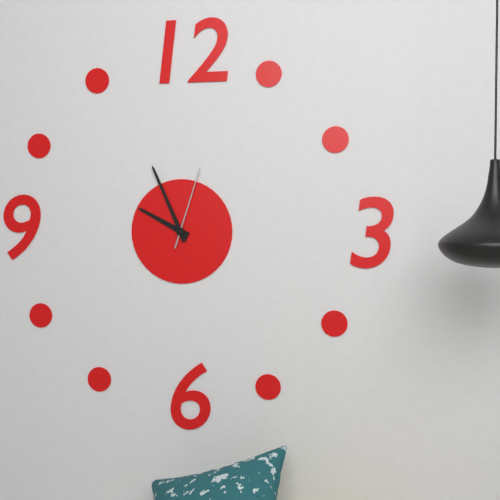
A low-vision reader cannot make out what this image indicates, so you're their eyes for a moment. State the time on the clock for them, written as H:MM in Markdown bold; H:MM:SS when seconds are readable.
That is **9:56:03**
